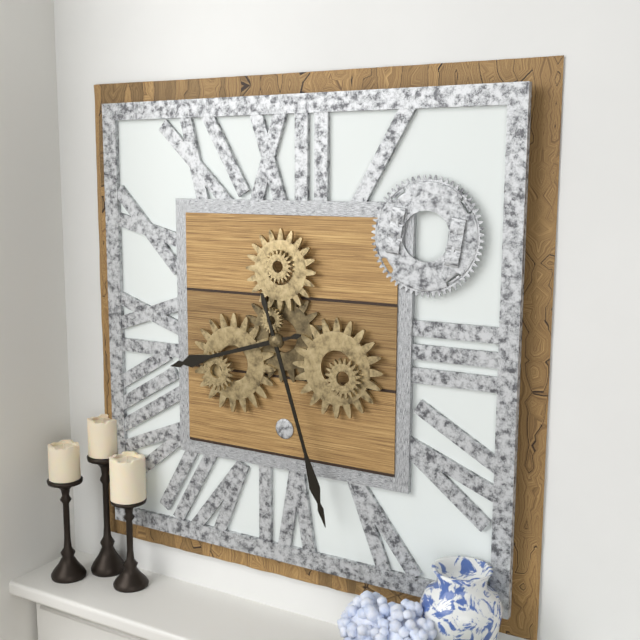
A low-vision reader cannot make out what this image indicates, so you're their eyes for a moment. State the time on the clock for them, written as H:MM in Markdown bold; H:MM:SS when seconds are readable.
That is **8:27**
